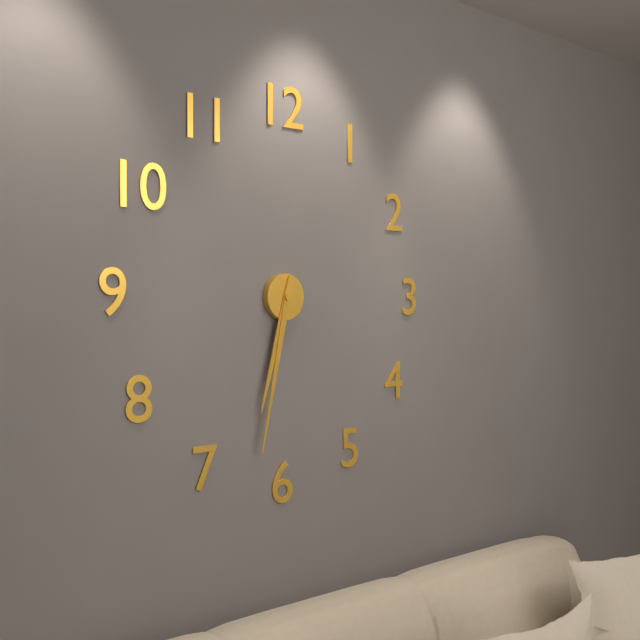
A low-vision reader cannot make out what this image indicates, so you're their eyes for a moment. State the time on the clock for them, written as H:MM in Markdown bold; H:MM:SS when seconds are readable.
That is **6:32**
